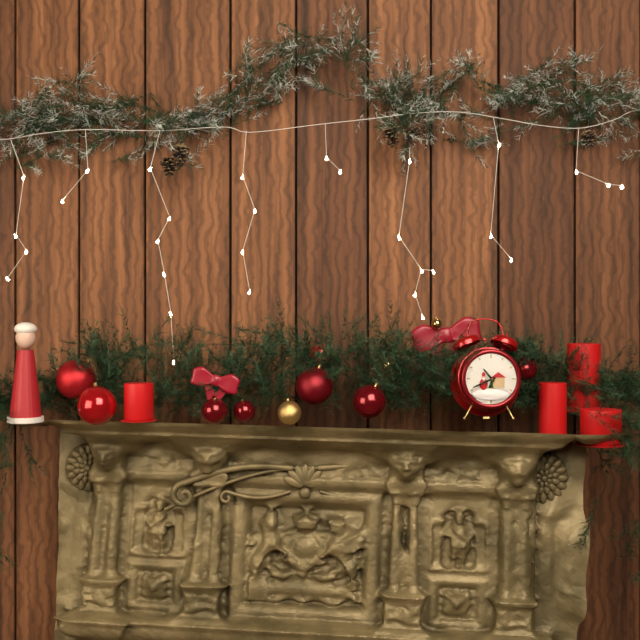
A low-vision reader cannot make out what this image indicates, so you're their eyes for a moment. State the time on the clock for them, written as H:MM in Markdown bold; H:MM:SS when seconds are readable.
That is **10:41**
